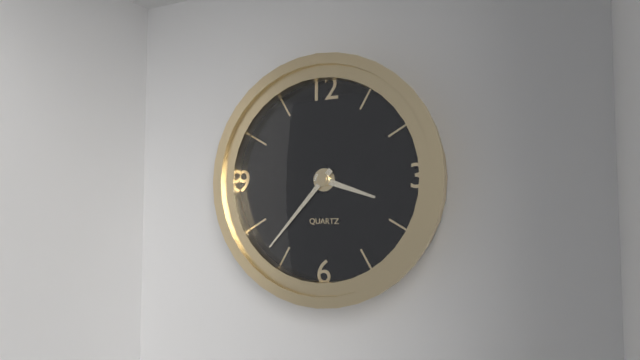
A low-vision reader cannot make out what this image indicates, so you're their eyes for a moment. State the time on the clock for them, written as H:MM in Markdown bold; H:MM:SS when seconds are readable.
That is **3:37**
